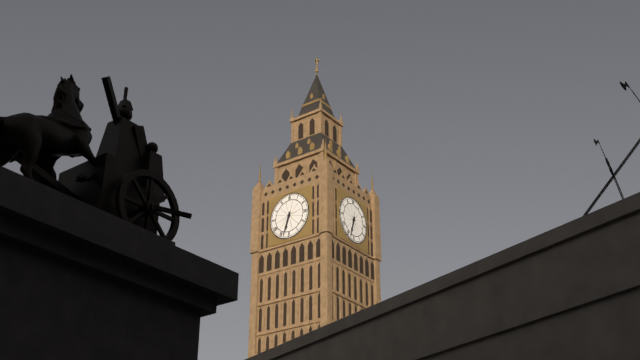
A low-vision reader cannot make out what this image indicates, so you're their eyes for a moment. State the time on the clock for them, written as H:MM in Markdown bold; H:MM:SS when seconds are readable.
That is **6:33**
